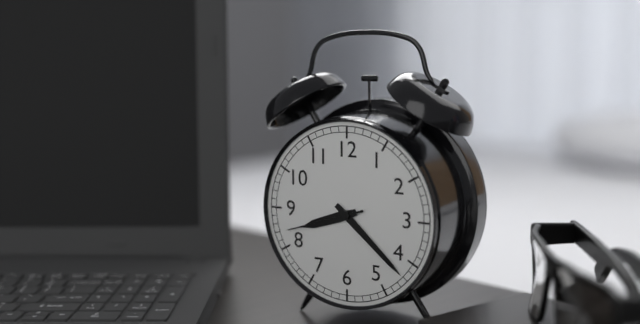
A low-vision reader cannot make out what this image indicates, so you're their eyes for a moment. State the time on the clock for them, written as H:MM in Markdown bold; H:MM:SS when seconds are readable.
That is **8:22:42**
